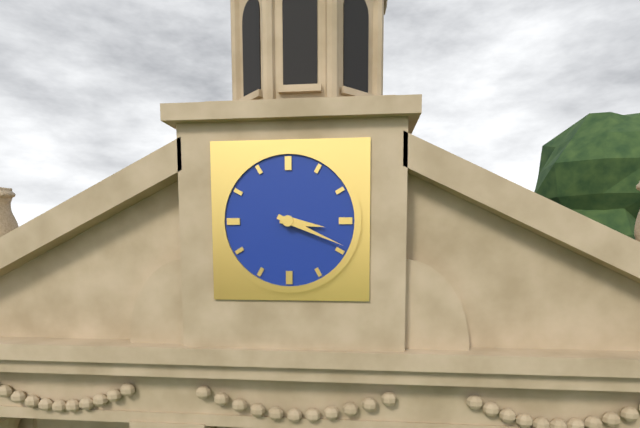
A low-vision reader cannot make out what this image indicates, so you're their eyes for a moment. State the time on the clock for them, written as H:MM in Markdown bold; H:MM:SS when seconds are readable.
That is **3:19**
